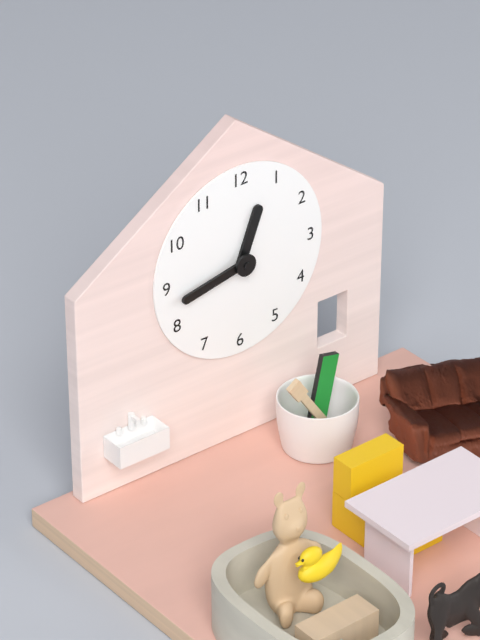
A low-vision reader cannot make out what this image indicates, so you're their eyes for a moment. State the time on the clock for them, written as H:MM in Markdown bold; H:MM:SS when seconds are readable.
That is **12:43**
